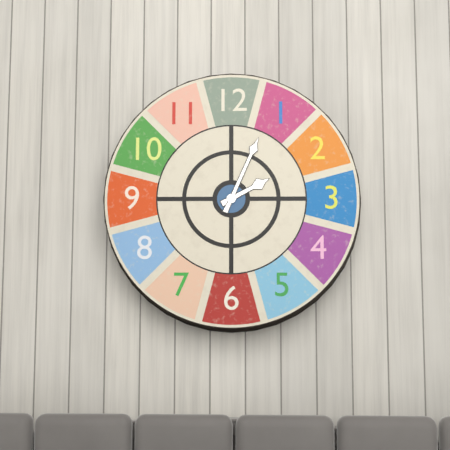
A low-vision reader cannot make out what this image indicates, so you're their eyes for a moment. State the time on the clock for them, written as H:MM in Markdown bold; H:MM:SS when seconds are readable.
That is **2:04**
